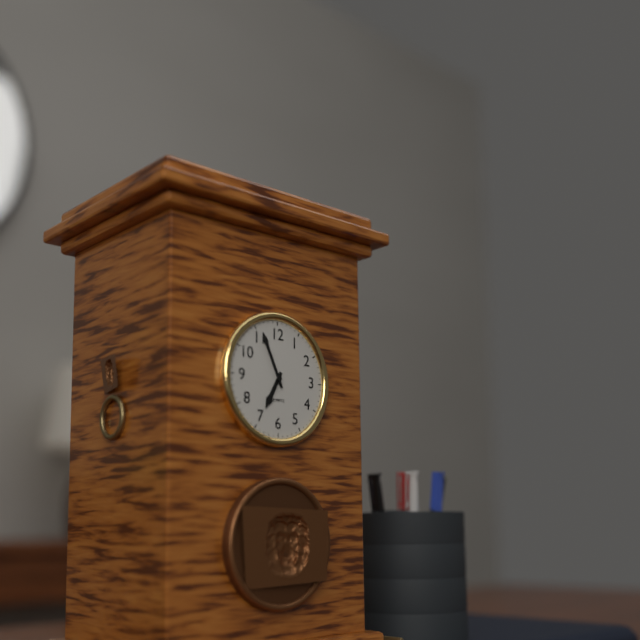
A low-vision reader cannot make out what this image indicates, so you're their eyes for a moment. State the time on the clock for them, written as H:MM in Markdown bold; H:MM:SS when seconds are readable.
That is **6:56**
